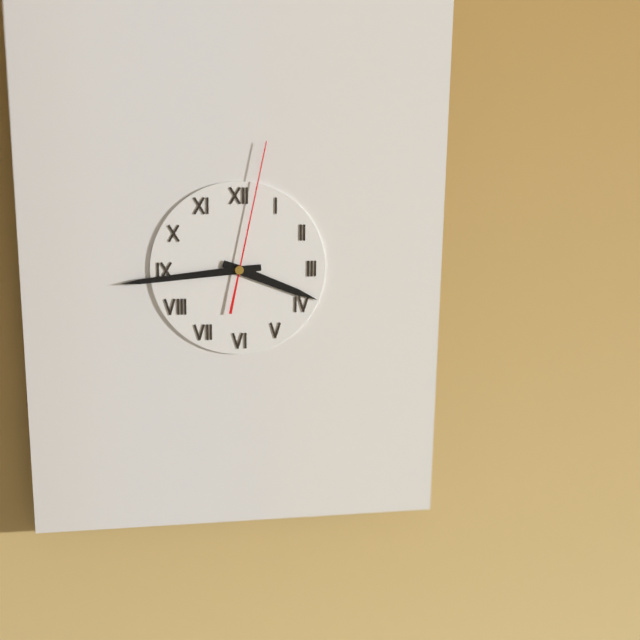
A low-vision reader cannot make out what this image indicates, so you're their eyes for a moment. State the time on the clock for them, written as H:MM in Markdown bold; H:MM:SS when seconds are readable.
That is **3:44:02**
